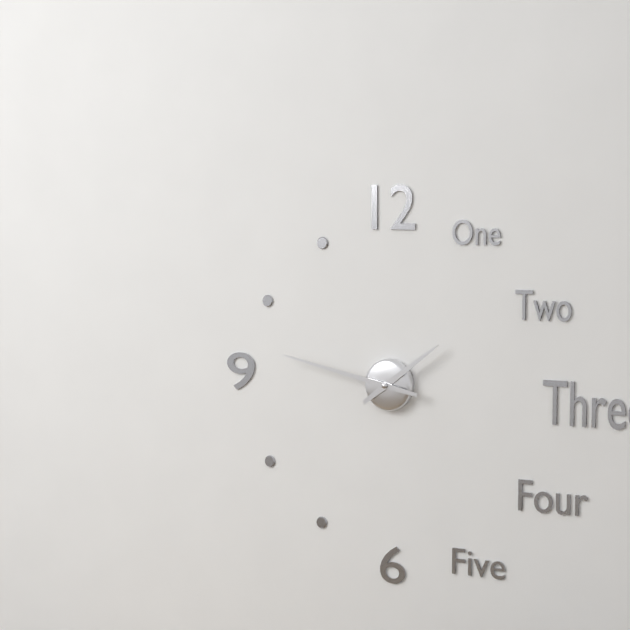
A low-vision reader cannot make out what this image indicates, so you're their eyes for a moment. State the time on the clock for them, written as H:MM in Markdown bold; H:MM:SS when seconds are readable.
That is **1:47**
